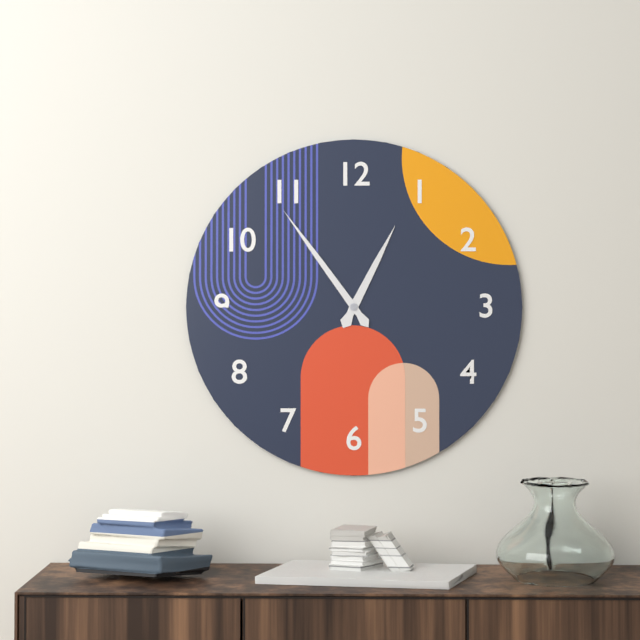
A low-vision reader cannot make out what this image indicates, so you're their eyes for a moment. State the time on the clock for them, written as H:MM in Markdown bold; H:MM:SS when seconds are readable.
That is **12:54**
